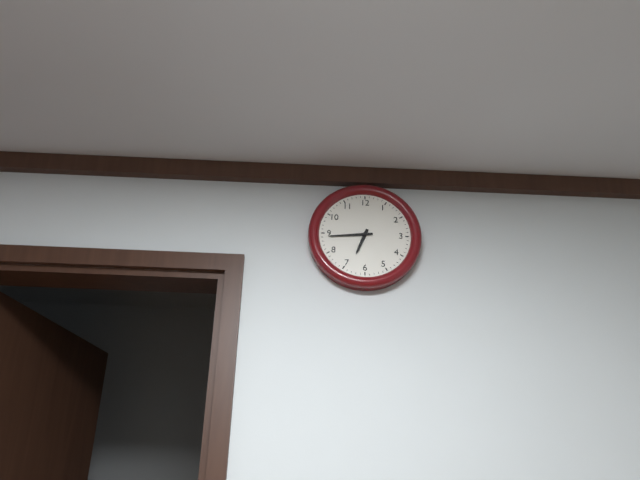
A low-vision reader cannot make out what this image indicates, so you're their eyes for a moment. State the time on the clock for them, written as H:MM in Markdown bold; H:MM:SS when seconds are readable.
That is **6:44**
